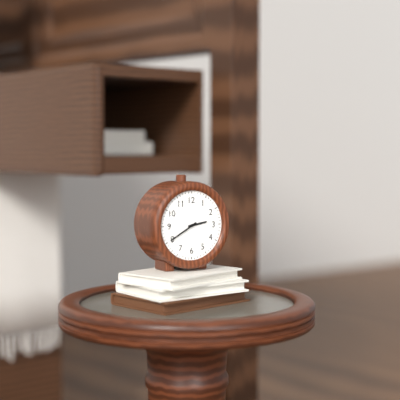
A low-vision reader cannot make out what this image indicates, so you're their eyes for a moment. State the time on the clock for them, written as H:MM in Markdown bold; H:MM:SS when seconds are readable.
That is **2:40**
